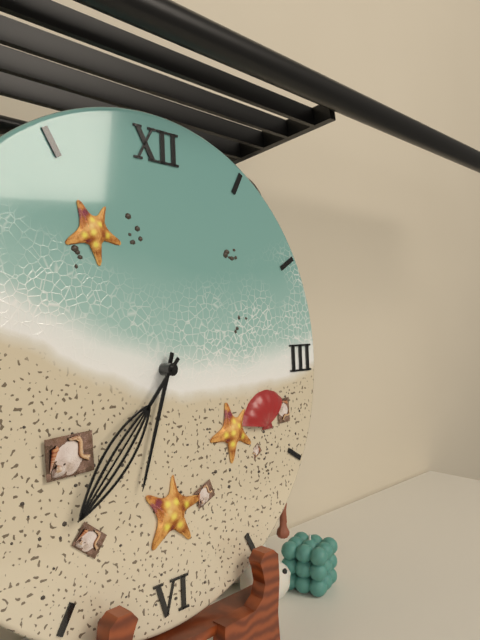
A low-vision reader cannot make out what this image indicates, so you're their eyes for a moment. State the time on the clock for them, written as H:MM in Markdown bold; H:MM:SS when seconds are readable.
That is **6:37**
